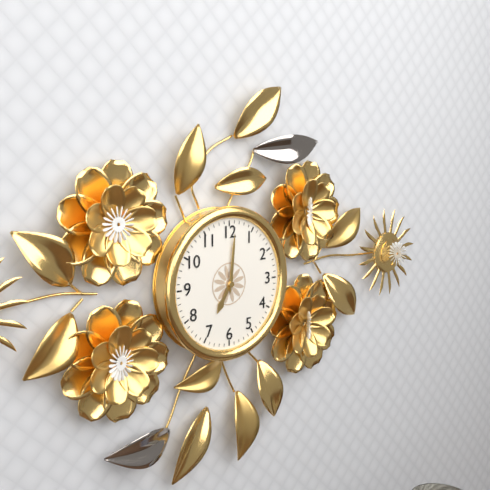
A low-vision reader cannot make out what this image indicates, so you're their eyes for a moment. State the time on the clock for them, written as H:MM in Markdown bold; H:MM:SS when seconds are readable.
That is **7:01**
